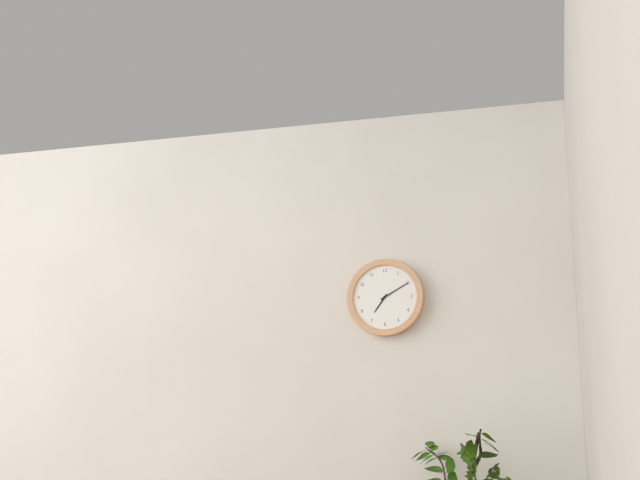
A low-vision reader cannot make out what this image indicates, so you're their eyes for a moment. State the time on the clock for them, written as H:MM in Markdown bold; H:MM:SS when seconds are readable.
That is **7:10**
